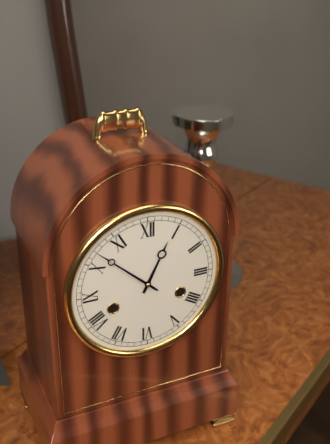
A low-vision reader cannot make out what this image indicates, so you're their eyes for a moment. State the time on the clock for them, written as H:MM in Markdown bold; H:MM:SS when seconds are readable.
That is **12:52**
